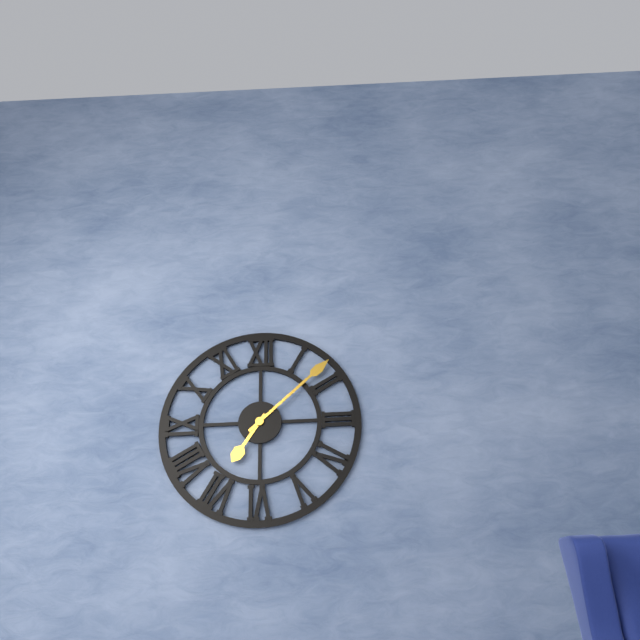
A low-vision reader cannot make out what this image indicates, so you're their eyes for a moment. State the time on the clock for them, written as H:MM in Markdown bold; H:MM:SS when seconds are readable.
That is **7:08**
